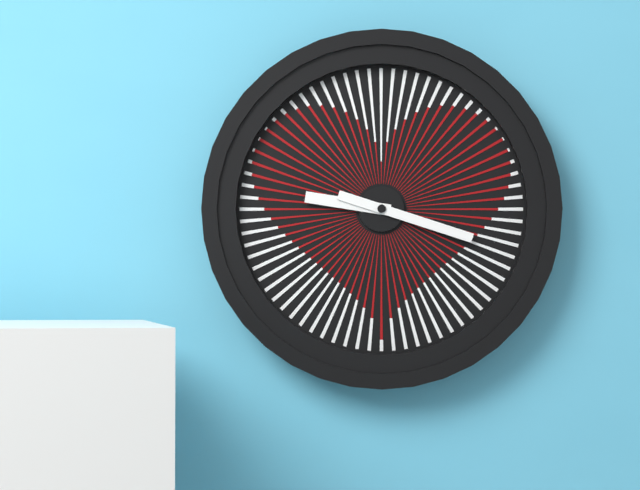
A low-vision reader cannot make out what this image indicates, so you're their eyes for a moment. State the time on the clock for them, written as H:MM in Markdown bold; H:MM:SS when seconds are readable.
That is **9:18**
